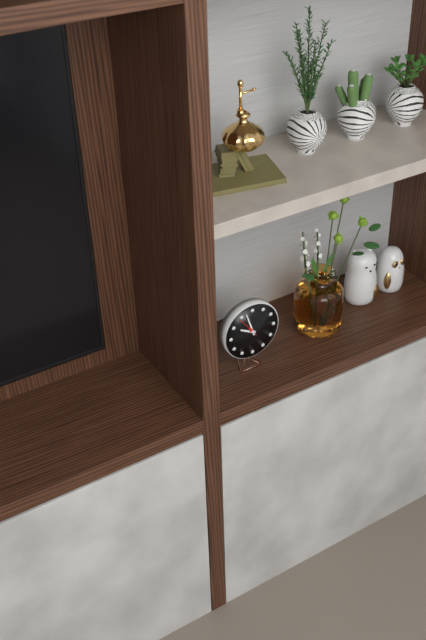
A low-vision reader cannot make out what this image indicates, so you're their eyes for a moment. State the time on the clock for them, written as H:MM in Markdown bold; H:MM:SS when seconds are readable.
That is **9:57**
